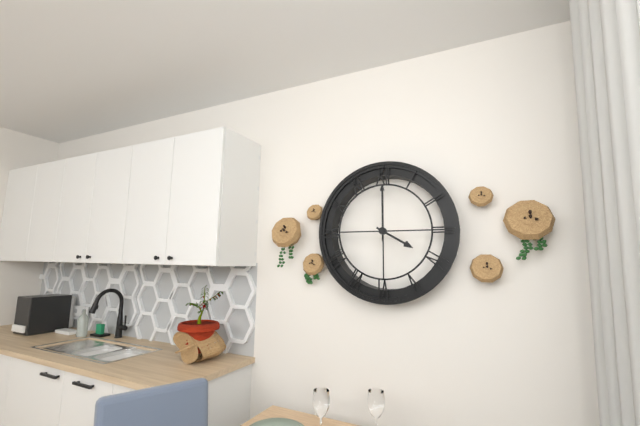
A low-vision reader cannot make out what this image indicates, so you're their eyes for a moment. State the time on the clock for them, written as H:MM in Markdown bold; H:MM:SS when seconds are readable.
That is **4:00**
